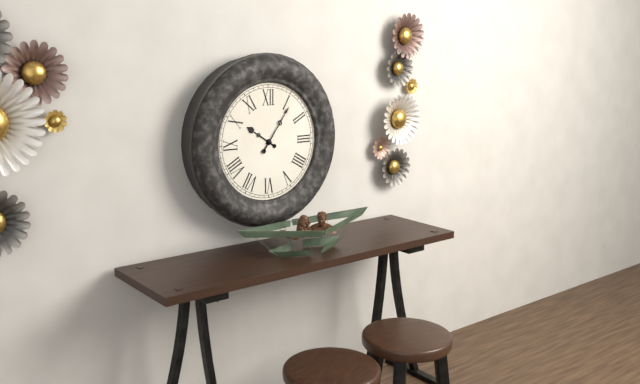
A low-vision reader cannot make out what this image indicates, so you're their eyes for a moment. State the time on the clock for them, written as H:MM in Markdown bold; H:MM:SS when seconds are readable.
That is **10:06**
